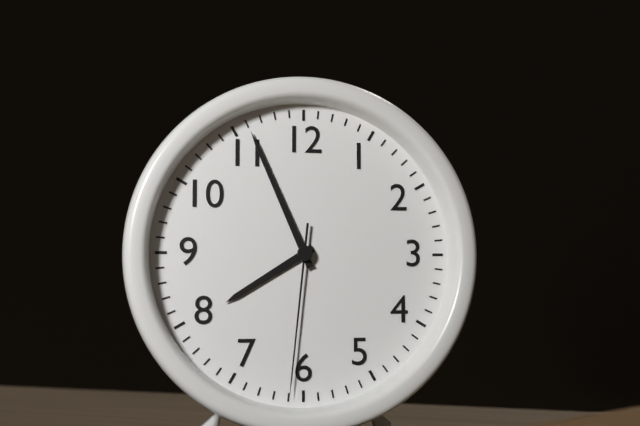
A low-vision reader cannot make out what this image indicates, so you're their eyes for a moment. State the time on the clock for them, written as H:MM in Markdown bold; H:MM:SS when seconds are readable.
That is **7:56:31**
